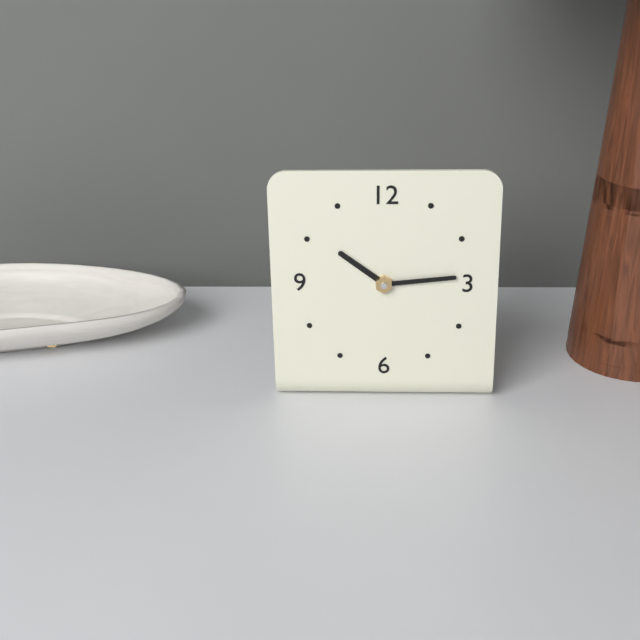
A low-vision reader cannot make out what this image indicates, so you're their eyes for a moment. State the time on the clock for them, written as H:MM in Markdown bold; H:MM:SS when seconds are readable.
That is **10:14**
